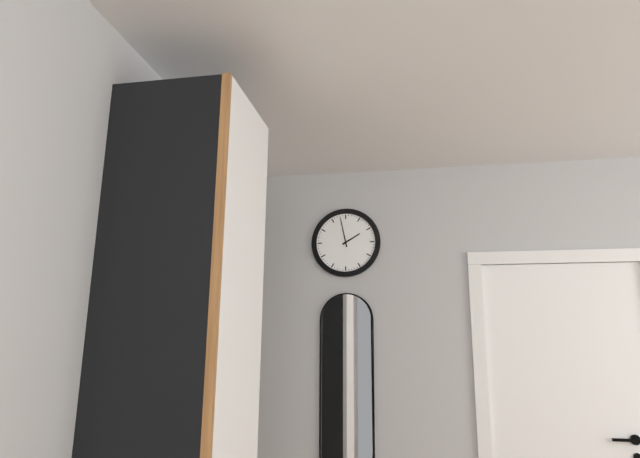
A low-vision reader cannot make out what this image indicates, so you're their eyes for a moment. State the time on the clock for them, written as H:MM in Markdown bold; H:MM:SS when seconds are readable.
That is **1:58**
